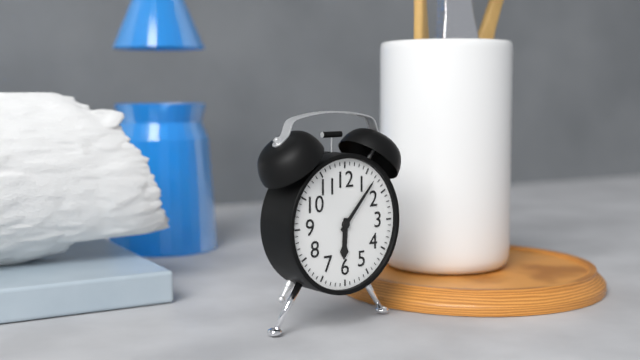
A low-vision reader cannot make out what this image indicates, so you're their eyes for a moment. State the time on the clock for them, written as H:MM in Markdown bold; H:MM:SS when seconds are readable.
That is **6:07**
